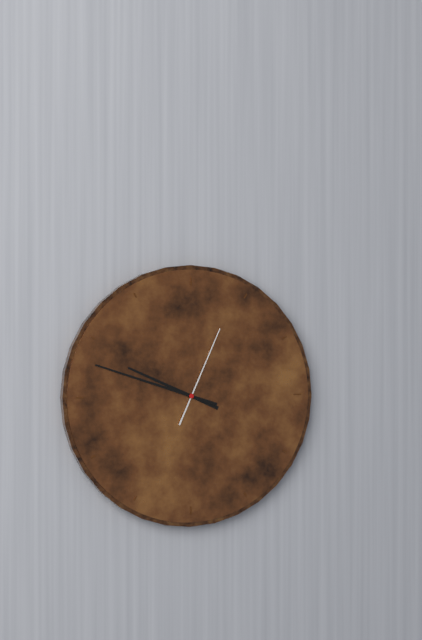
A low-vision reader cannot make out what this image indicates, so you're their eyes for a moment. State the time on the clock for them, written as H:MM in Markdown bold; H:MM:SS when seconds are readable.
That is **9:48:04**
